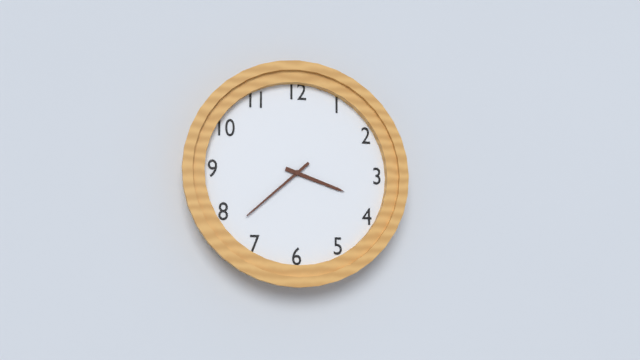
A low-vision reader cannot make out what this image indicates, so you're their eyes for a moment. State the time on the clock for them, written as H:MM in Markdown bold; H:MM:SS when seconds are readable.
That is **3:38**
